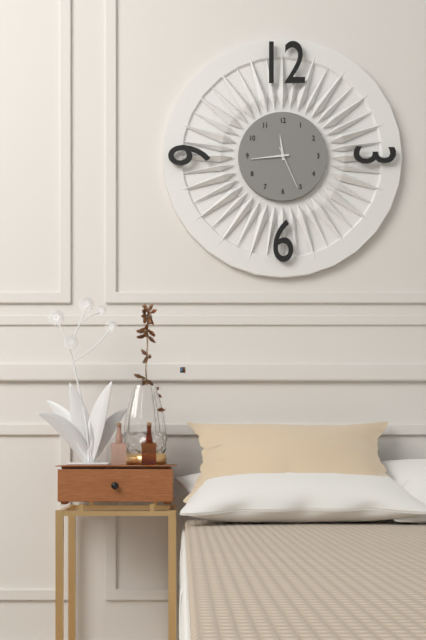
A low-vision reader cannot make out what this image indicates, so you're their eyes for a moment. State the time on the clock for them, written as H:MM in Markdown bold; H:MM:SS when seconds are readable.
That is **11:44**
